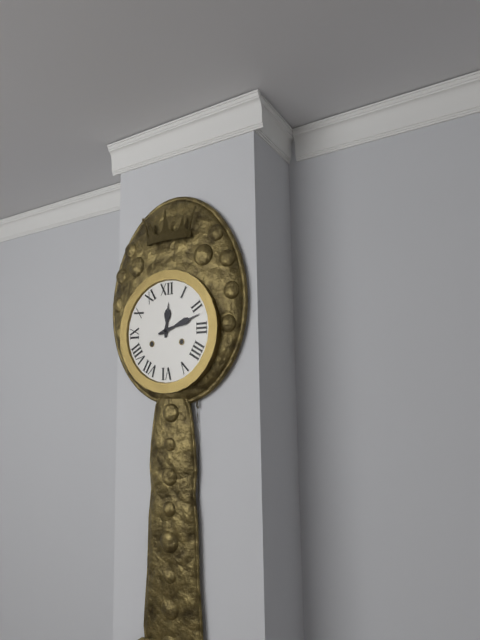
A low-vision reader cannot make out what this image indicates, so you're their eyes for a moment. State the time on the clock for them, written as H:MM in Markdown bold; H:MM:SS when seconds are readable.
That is **12:12**
